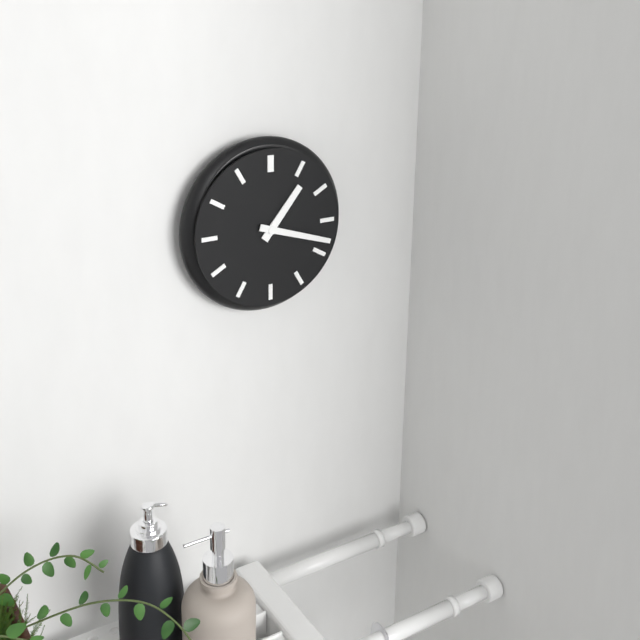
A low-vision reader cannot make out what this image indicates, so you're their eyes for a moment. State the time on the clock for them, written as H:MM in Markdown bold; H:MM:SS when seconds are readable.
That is **1:18**
